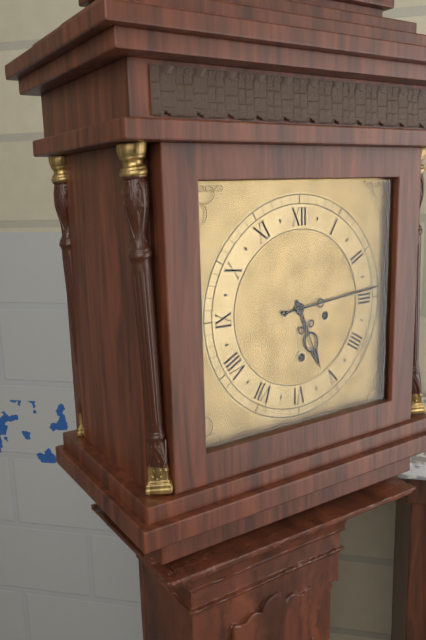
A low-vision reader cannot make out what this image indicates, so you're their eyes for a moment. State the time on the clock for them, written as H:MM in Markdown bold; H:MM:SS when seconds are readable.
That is **5:14**
